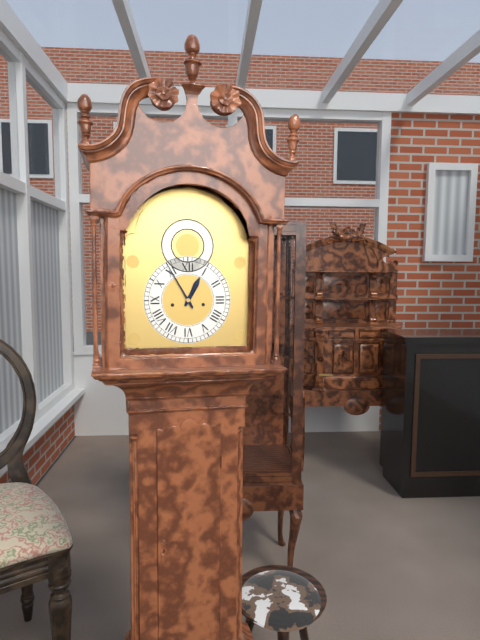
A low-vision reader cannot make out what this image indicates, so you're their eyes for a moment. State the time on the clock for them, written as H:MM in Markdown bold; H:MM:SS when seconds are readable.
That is **12:55**
